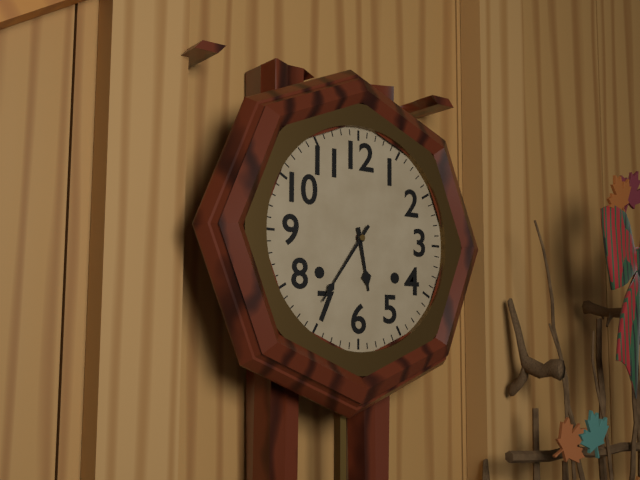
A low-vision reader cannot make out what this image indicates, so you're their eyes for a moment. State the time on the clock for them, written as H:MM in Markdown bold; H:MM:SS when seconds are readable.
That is **5:36**
